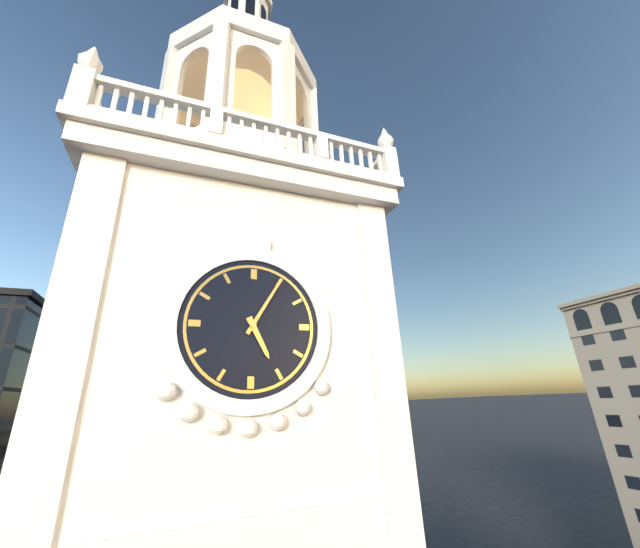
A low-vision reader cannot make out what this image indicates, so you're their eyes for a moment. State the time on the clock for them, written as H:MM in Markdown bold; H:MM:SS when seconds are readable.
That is **5:05**
